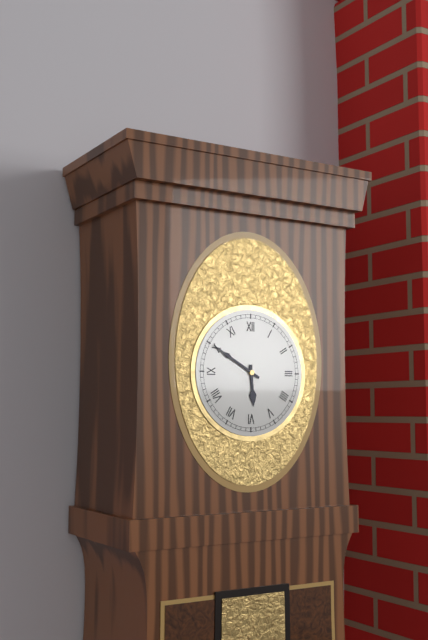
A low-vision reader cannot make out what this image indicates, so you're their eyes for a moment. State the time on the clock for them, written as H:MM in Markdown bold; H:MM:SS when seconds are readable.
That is **5:50**
